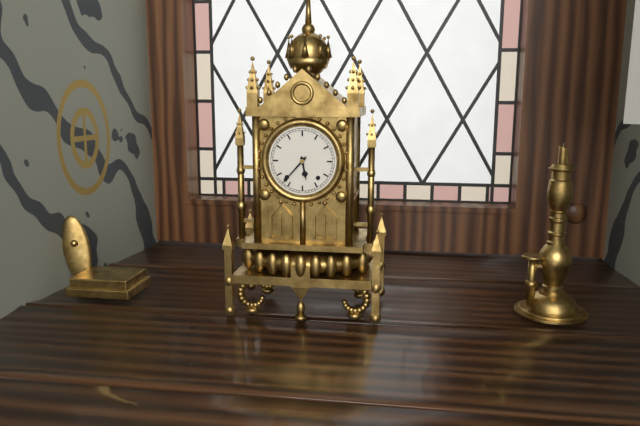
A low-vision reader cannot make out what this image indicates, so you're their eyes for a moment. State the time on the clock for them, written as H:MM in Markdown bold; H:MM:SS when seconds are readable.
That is **5:37**
